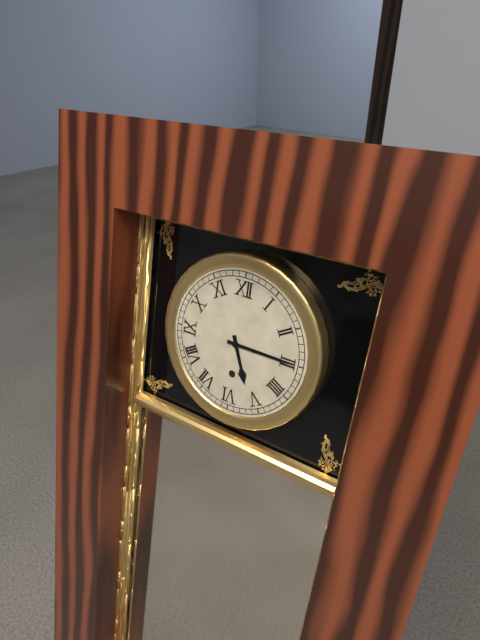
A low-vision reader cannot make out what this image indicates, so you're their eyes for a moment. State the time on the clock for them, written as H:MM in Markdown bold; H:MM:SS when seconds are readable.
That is **5:15**
